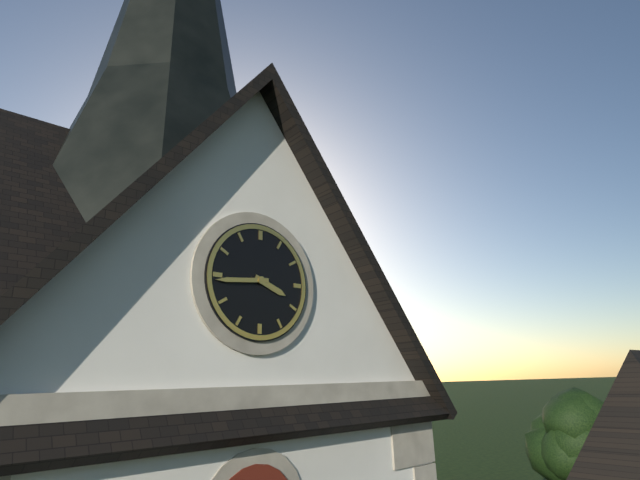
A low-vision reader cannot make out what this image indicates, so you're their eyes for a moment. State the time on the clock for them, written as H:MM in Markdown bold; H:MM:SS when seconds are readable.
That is **3:44**
